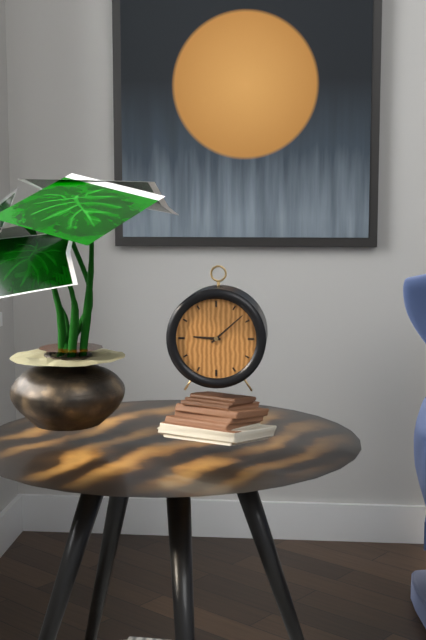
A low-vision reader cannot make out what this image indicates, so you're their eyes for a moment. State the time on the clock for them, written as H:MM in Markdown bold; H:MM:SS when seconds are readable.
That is **9:08**
